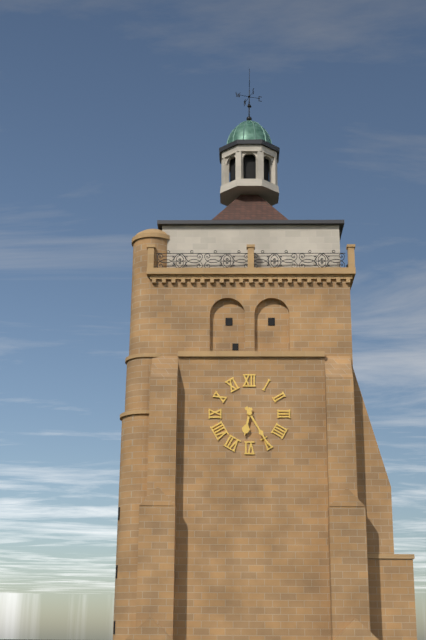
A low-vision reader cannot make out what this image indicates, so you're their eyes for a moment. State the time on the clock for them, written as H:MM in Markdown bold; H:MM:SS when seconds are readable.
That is **6:25**
